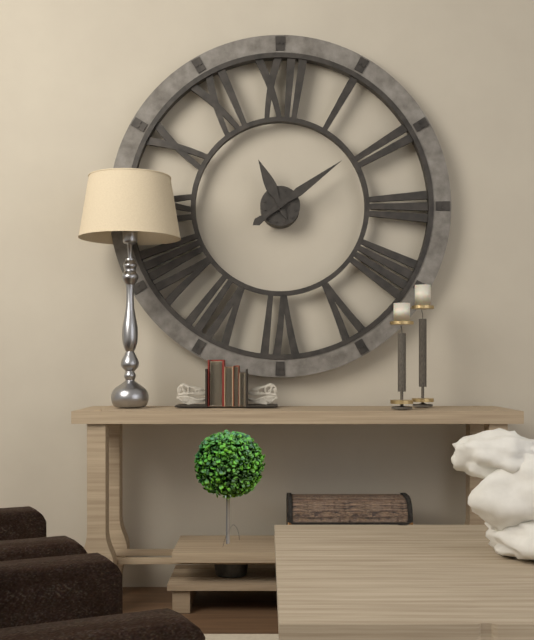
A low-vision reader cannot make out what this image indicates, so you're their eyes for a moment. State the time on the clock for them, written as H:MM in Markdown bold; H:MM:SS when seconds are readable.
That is **11:09**
